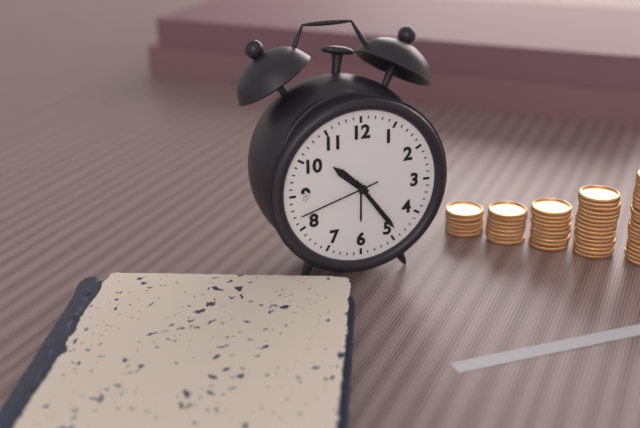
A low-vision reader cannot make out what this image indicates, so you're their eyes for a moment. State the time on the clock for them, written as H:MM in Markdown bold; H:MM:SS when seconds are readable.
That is **10:24:42**
